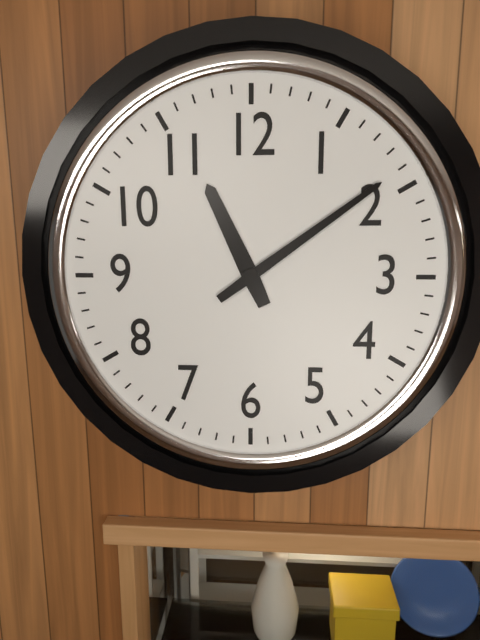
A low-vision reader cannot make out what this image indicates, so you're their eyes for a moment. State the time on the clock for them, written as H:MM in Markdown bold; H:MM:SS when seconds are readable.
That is **11:09**
